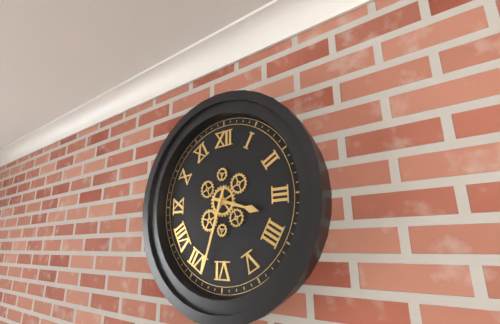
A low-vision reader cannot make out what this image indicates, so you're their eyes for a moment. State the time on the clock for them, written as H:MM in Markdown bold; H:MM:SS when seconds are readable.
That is **3:33**
